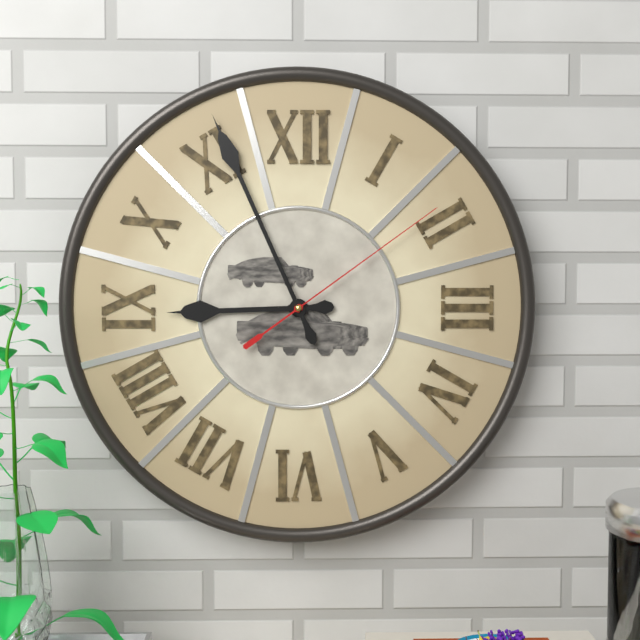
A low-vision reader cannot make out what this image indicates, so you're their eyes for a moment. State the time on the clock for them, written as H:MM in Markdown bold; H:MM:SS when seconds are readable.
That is **8:56:09**
